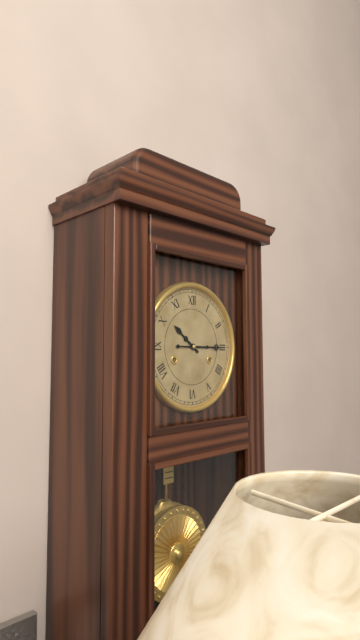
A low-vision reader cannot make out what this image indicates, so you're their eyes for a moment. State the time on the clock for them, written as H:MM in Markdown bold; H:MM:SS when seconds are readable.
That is **10:15**
